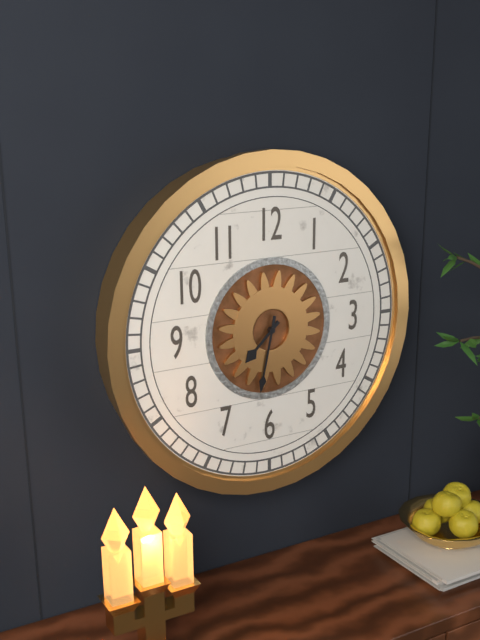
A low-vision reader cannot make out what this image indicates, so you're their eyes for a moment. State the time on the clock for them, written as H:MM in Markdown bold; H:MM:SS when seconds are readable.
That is **7:32**
